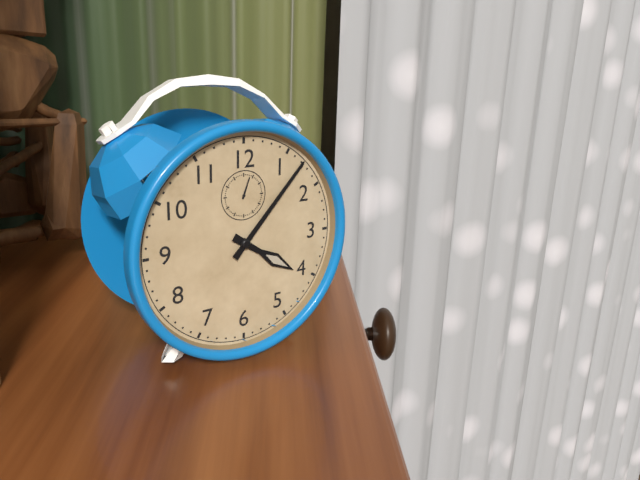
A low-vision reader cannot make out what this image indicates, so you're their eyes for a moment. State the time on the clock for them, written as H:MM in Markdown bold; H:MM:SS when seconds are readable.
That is **4:07**
